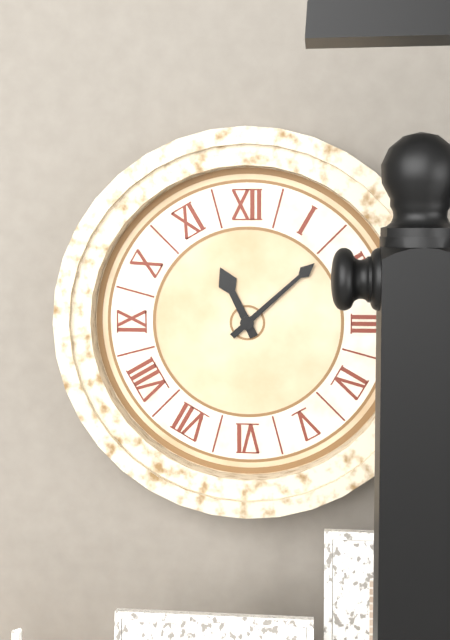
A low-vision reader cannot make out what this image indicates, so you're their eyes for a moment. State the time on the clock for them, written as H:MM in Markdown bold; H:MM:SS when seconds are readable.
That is **11:08**
